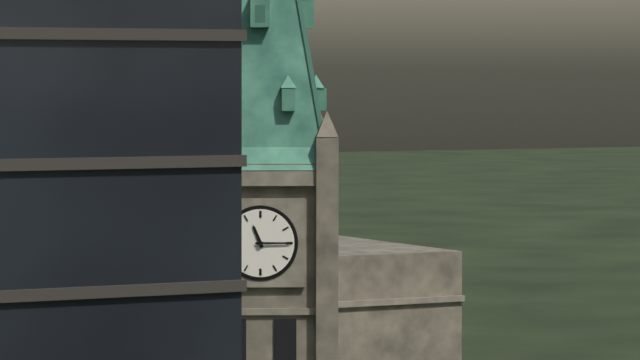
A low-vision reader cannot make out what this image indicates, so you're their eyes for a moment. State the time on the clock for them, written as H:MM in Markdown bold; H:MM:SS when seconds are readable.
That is **11:15**
